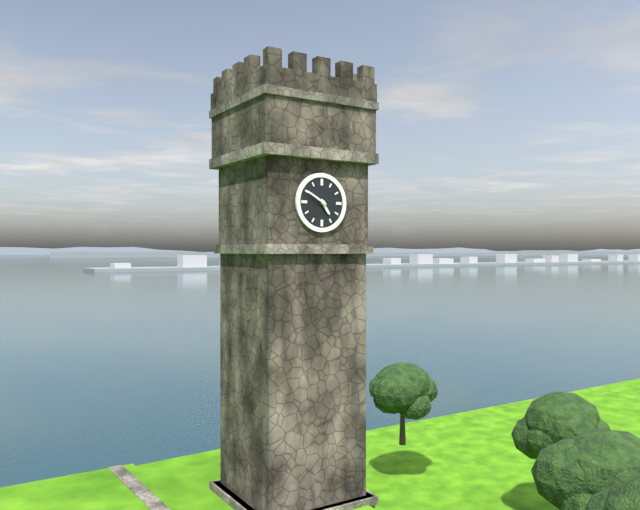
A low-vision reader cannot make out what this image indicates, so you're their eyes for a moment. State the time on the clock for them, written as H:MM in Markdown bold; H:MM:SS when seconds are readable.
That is **4:50**
